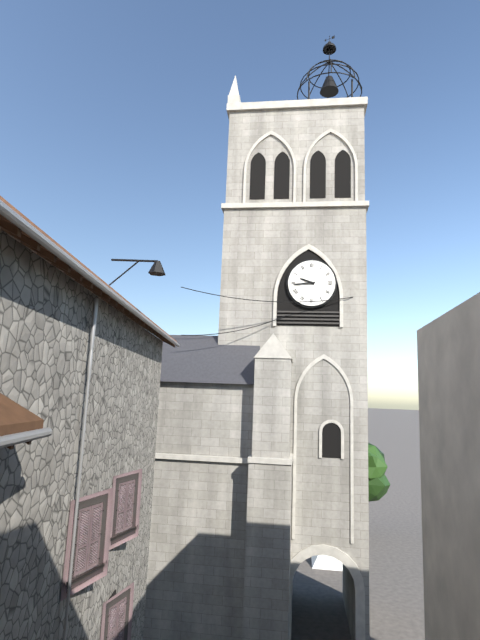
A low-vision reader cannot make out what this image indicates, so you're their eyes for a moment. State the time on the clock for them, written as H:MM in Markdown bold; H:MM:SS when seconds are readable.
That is **9:44**
